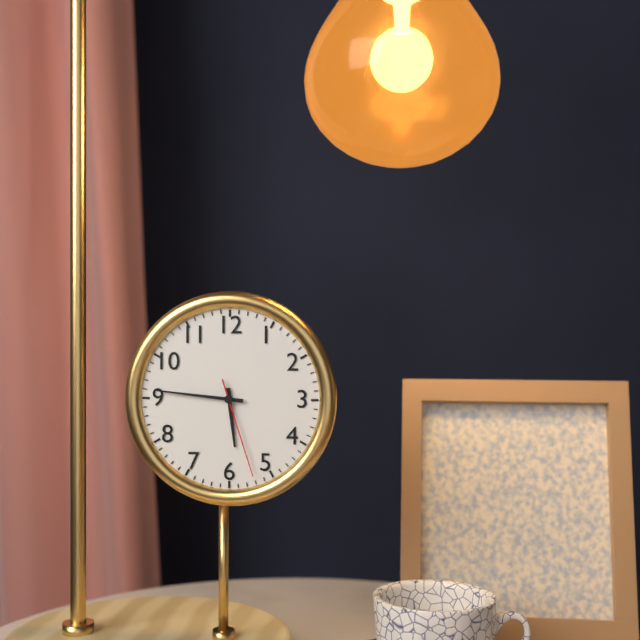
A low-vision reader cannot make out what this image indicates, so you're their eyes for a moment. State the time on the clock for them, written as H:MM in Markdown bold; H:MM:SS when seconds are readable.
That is **5:46:27**
